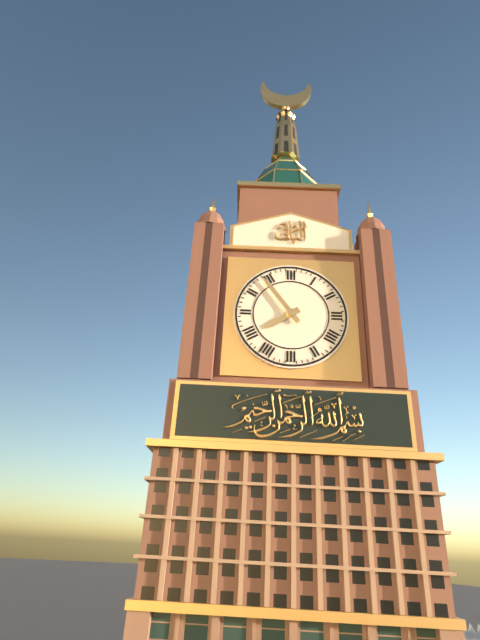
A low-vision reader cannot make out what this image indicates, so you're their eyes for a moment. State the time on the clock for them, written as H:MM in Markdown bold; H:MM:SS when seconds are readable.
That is **7:54**
